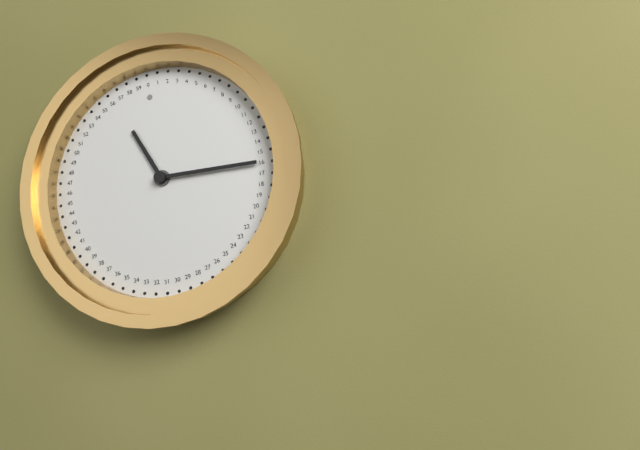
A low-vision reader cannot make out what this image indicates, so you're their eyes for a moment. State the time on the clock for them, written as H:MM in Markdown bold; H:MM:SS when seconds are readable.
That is **11:16**
